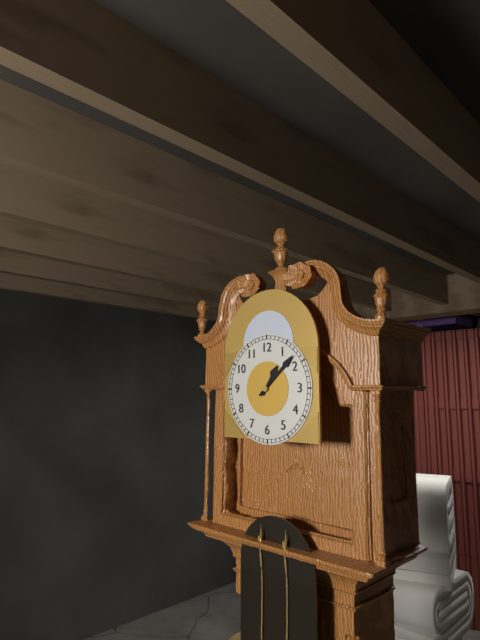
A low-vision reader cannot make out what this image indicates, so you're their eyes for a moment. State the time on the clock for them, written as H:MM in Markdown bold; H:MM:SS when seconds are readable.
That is **1:08**
